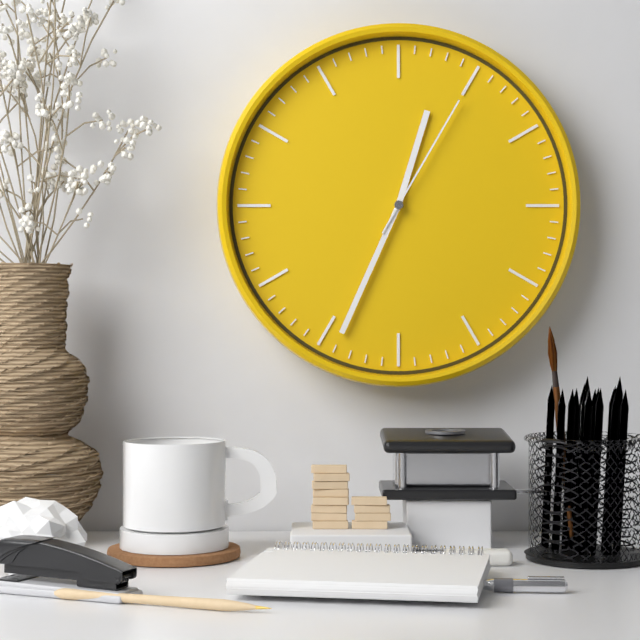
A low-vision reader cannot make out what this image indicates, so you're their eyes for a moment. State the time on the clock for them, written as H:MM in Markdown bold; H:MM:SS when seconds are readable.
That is **12:34:05**
